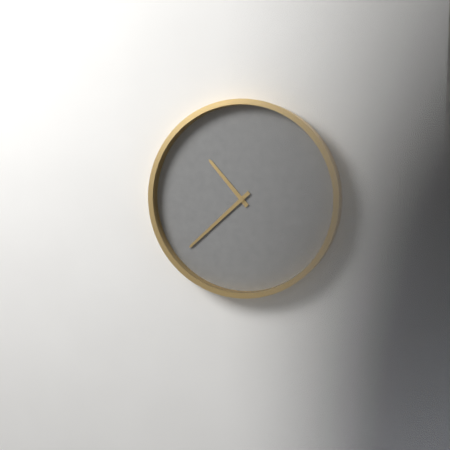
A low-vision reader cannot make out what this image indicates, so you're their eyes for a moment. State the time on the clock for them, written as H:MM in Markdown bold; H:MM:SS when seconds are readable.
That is **10:38**
